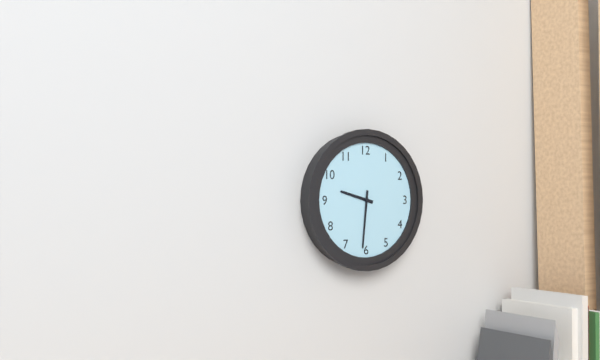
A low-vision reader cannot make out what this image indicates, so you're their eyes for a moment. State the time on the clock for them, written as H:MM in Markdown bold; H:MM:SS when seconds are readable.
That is **9:31**
